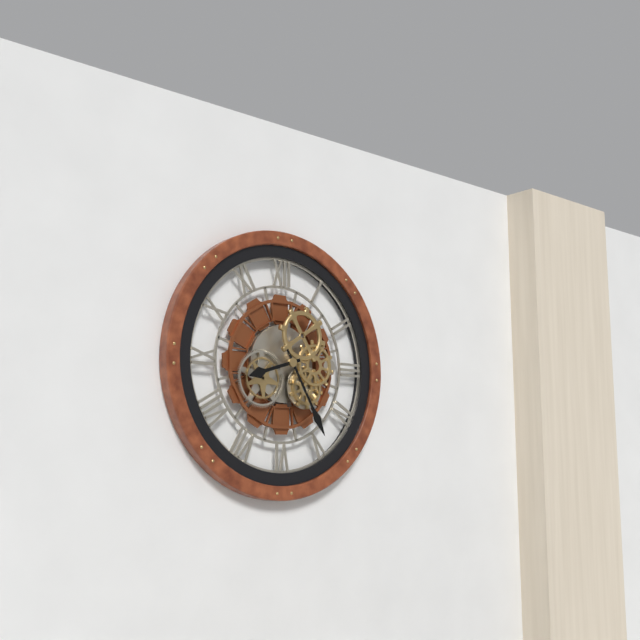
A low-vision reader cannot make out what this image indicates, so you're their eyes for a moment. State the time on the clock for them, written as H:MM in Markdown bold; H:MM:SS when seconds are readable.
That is **8:25**
